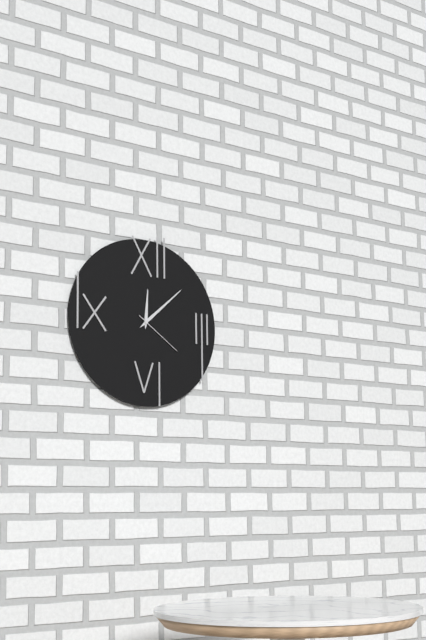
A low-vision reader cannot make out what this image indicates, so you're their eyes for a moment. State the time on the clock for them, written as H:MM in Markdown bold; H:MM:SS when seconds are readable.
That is **12:08:21**
